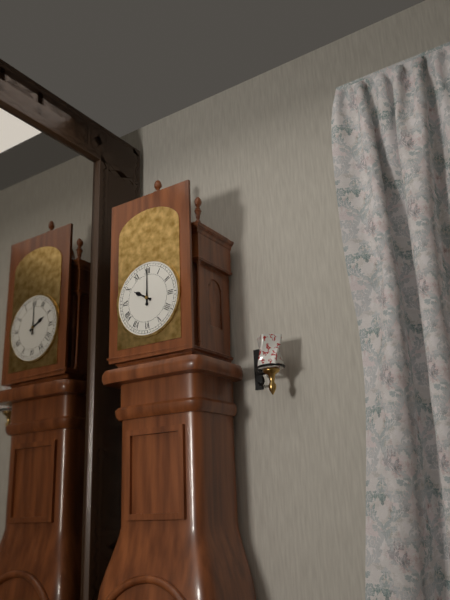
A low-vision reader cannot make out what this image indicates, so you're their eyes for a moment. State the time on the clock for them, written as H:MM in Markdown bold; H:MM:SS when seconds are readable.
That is **10:00**
